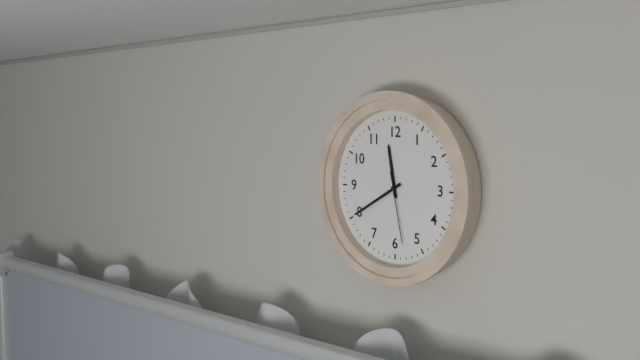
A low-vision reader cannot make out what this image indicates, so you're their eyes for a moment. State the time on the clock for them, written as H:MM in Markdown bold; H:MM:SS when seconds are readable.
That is **11:40:28**
